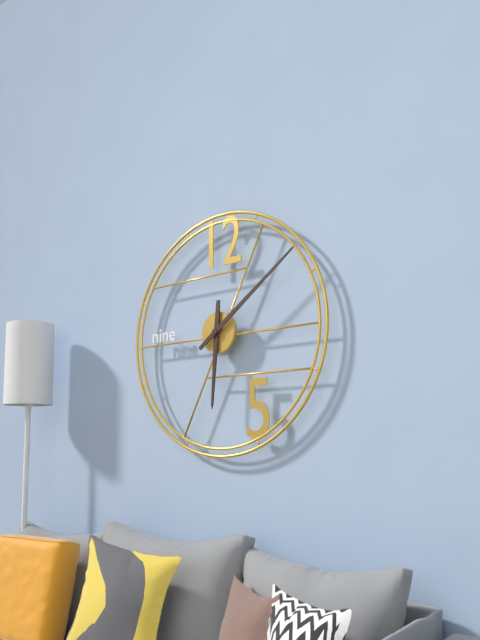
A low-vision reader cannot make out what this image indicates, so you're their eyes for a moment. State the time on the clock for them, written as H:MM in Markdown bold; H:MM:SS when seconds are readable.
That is **6:09**
